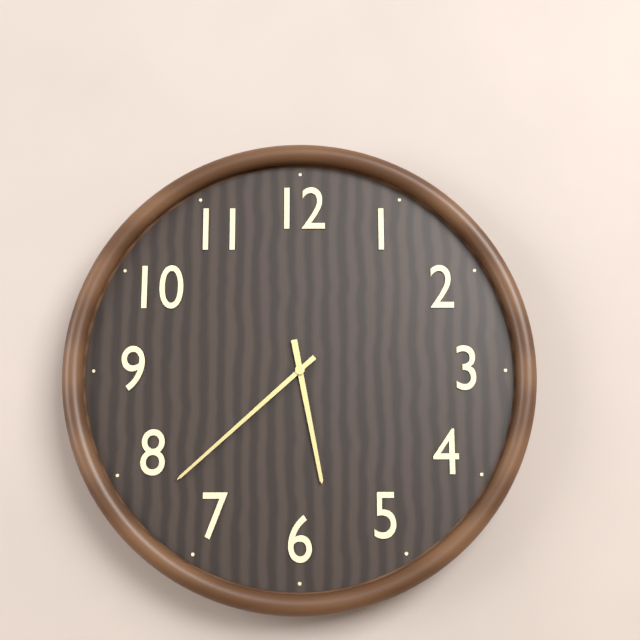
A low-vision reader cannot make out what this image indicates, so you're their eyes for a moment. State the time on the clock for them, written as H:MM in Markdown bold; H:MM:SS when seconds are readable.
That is **5:38**
